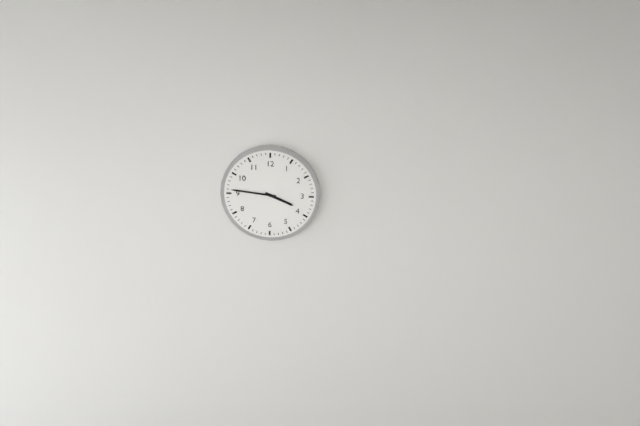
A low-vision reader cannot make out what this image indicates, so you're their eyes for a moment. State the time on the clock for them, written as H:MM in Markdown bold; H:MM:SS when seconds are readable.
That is **3:46**
